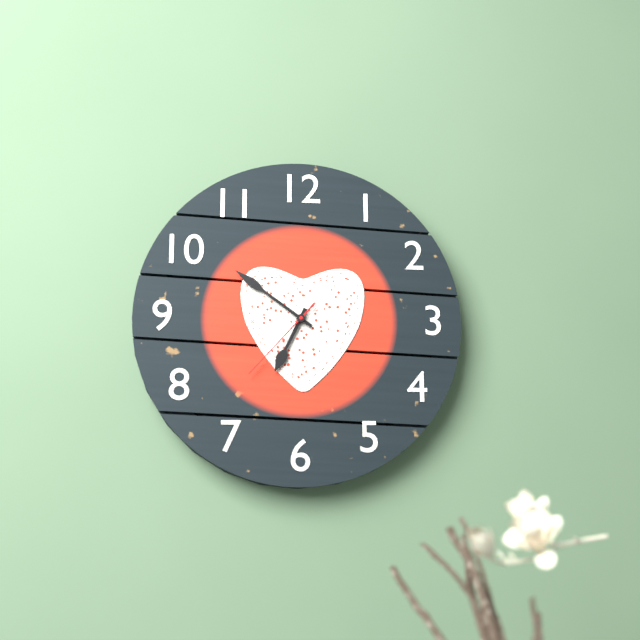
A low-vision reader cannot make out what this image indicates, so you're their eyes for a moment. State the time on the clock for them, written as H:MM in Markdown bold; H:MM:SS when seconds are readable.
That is **6:51:37**
